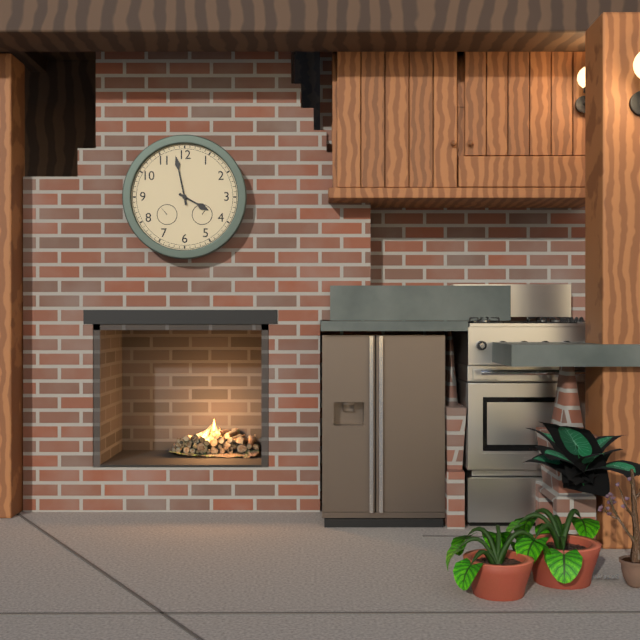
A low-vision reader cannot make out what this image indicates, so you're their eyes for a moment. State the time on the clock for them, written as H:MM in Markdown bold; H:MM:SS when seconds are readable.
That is **3:58**
